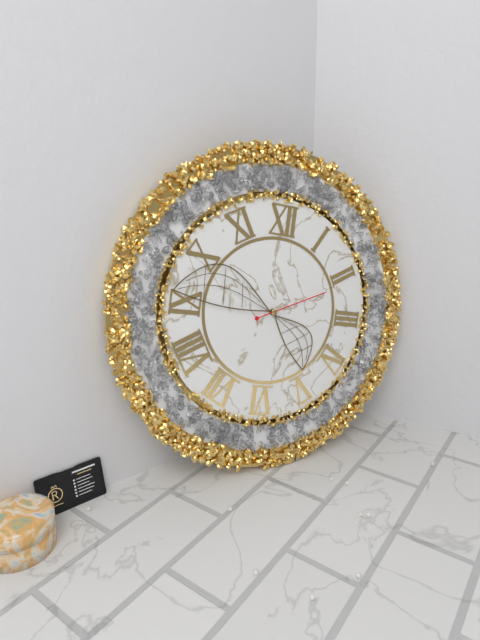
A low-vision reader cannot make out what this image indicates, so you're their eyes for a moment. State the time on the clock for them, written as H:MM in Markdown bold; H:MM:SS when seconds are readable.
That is **4:46:11**
